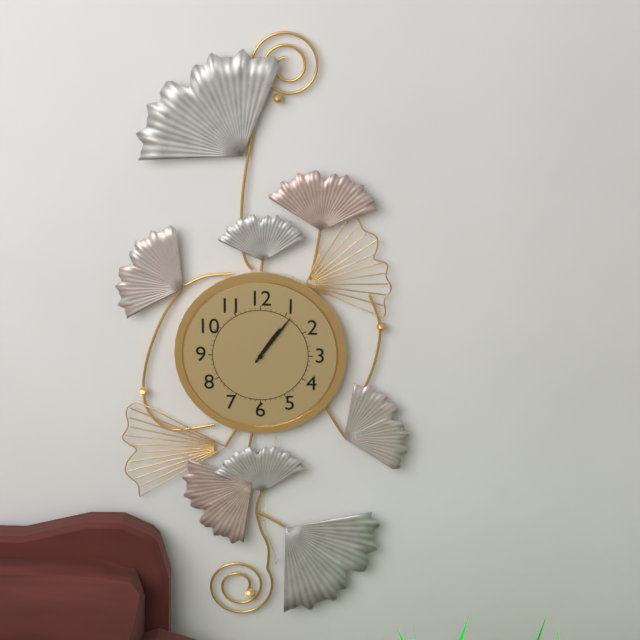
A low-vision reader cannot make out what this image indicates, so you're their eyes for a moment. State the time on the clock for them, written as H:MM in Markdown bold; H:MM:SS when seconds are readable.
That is **1:06**
